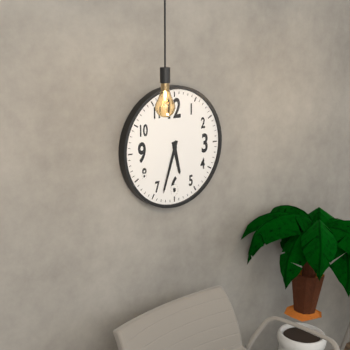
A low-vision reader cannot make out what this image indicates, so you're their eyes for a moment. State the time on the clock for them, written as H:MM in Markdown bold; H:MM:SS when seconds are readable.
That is **5:33**
